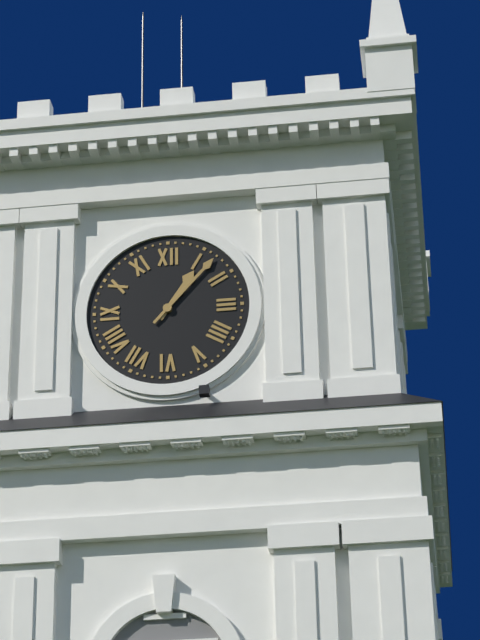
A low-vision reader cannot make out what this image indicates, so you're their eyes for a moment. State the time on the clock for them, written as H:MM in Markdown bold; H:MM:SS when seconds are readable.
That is **1:07**
